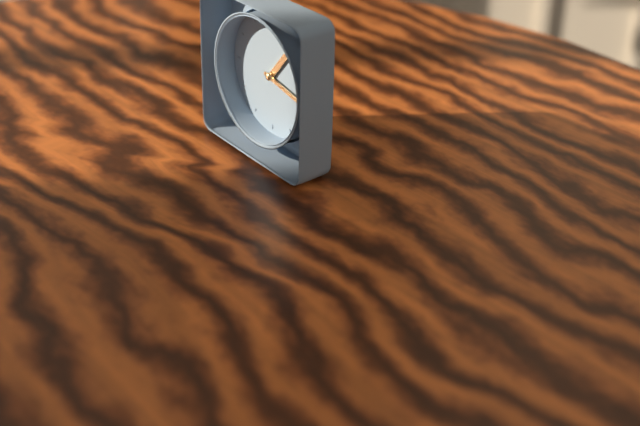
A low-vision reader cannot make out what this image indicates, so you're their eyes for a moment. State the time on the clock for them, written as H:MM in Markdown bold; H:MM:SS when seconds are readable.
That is **1:17**
